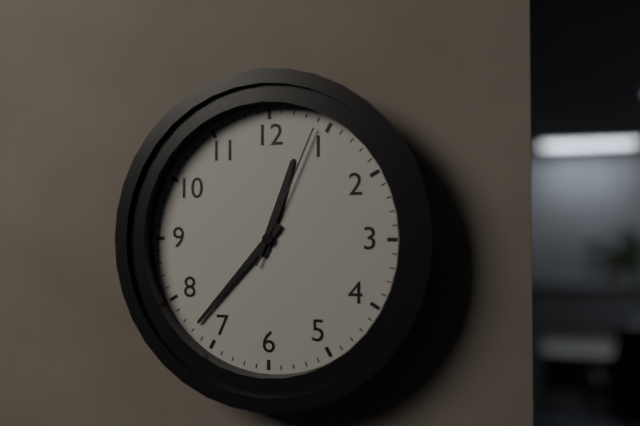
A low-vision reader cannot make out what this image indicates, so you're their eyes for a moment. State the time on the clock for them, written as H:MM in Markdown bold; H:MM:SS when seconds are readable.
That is **12:37:04**
